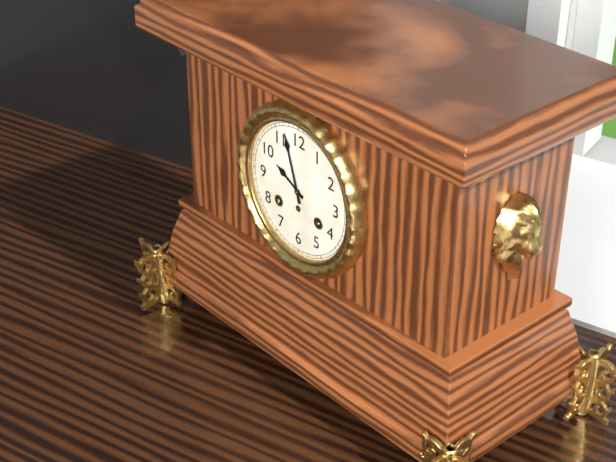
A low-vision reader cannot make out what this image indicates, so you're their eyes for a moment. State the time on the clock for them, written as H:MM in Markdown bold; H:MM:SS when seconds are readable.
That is **9:57**
